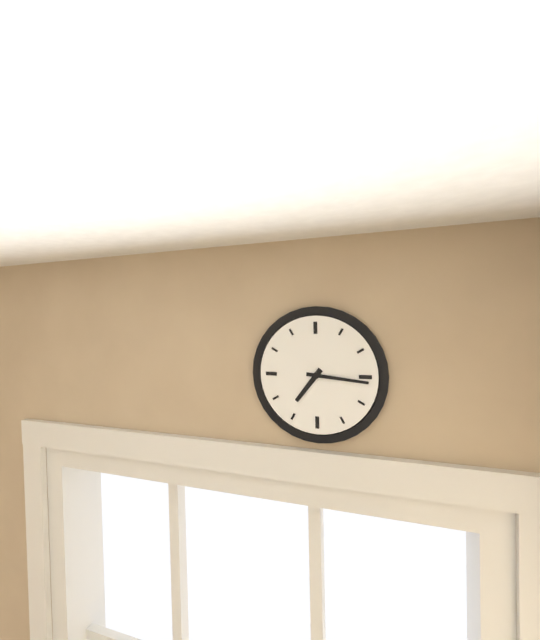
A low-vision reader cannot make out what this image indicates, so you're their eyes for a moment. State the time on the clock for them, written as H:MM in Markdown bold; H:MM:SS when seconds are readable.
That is **7:16**
